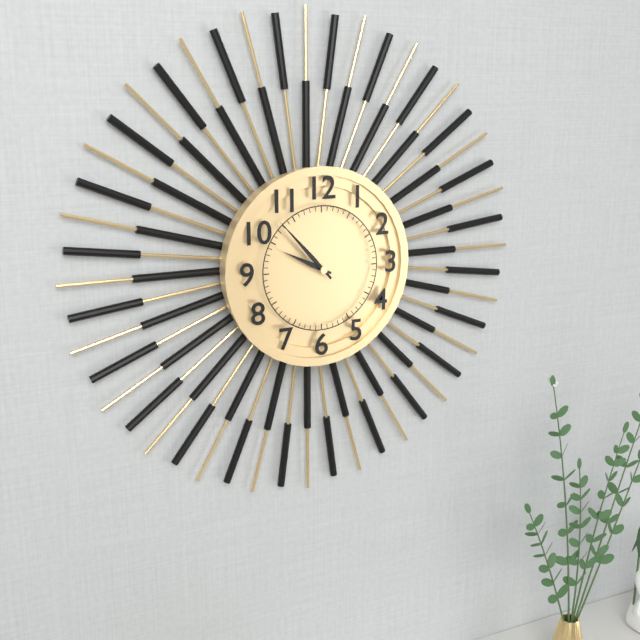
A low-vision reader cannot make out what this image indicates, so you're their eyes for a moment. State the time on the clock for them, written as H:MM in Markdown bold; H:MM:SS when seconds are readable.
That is **9:53**
